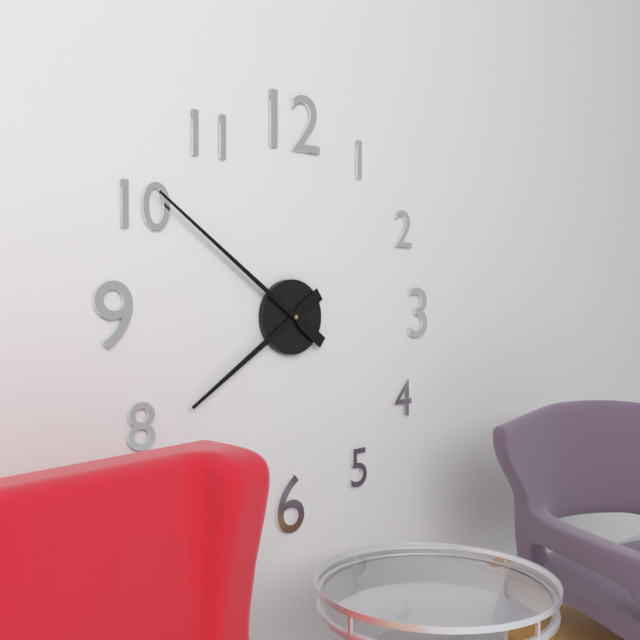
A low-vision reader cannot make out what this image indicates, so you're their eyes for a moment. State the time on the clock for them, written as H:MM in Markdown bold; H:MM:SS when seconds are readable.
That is **7:51**
